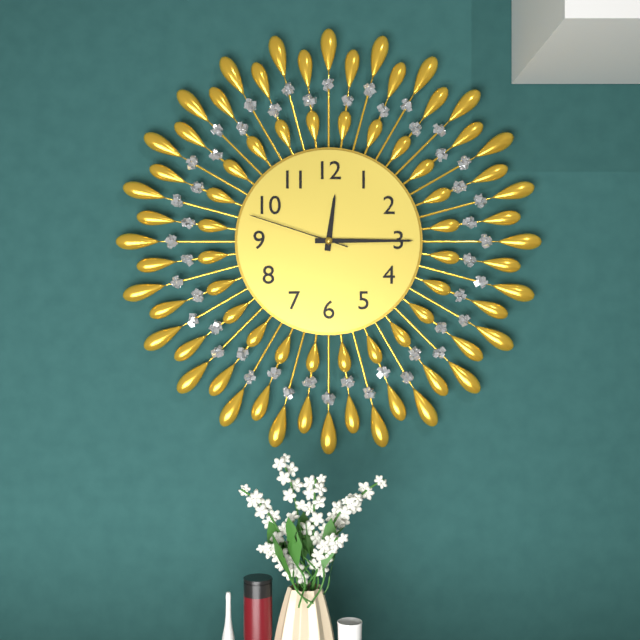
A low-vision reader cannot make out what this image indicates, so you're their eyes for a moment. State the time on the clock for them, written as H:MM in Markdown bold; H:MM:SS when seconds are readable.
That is **12:15:48**
